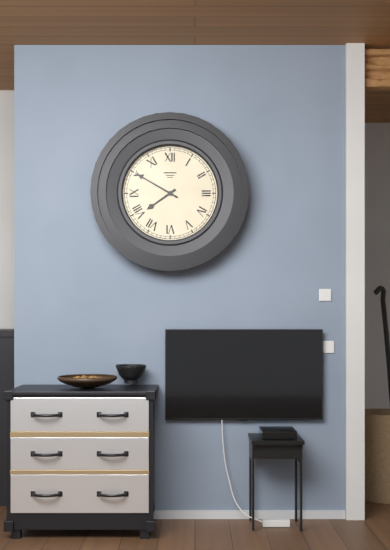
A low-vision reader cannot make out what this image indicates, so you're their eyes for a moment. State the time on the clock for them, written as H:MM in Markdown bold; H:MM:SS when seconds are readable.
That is **7:50**
